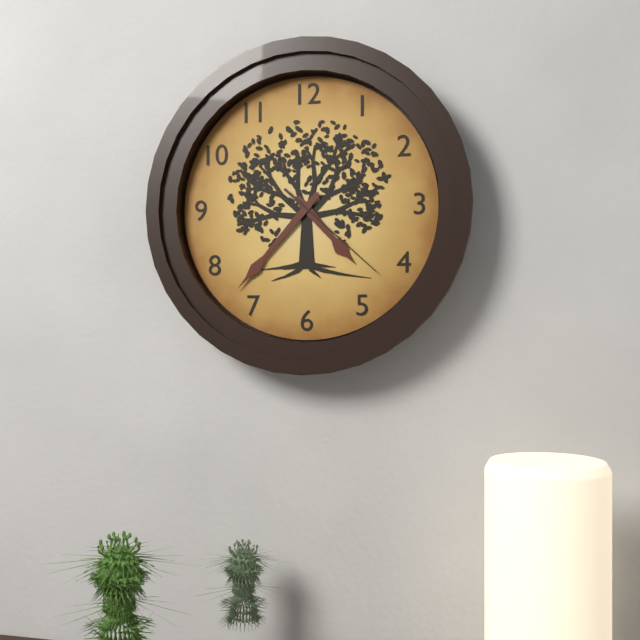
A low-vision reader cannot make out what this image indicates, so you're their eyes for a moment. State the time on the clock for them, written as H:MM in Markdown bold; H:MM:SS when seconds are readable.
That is **4:37:22**
